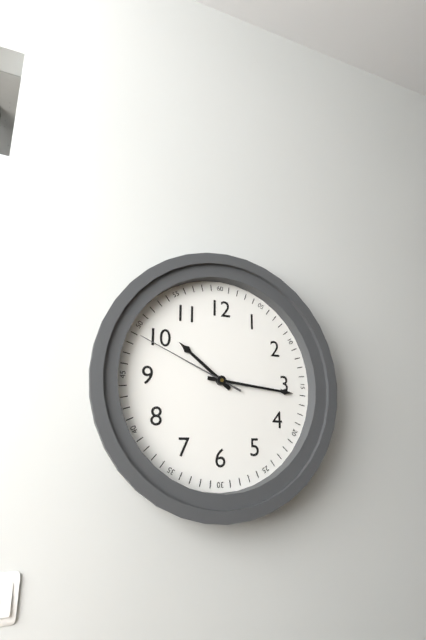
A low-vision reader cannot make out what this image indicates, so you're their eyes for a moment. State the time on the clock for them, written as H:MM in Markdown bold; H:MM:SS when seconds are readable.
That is **10:16:49**
